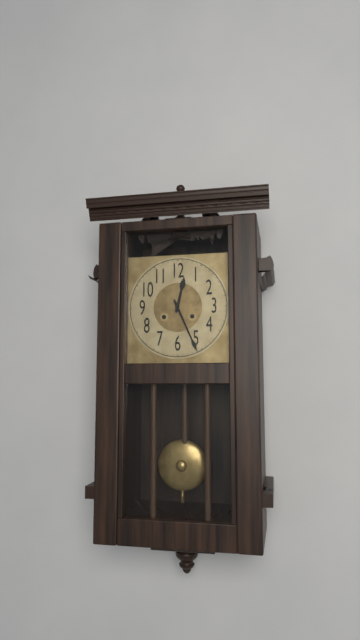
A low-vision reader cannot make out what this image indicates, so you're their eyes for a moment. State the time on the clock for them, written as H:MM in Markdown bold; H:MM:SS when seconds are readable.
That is **12:26**
